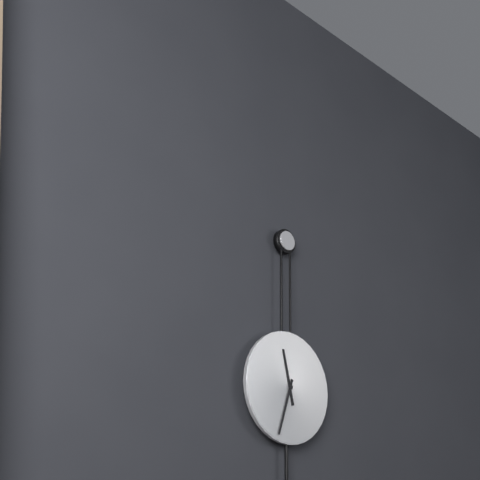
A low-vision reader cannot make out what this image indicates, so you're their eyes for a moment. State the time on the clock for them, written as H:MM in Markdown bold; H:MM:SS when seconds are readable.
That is **11:33**
